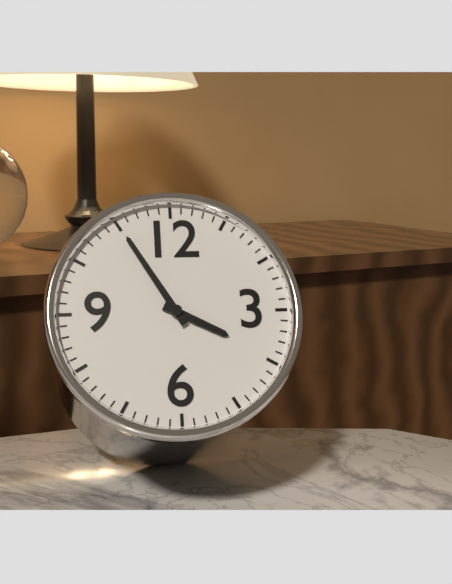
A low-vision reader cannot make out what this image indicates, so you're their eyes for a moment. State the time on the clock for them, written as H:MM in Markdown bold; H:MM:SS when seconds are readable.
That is **3:55**
